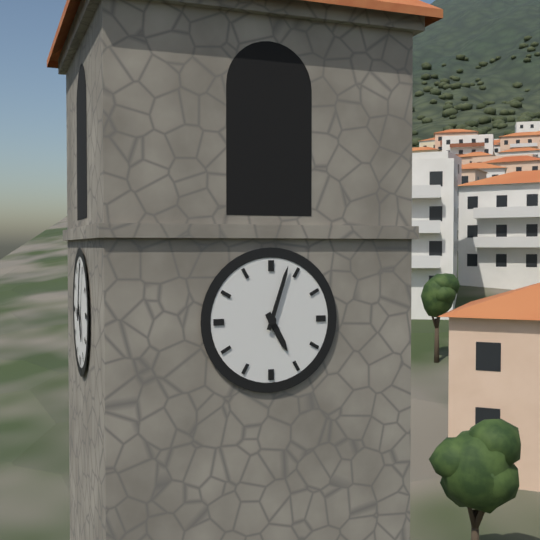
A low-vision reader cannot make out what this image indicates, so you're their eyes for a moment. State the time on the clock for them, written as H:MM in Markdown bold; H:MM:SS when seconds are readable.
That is **5:03**
